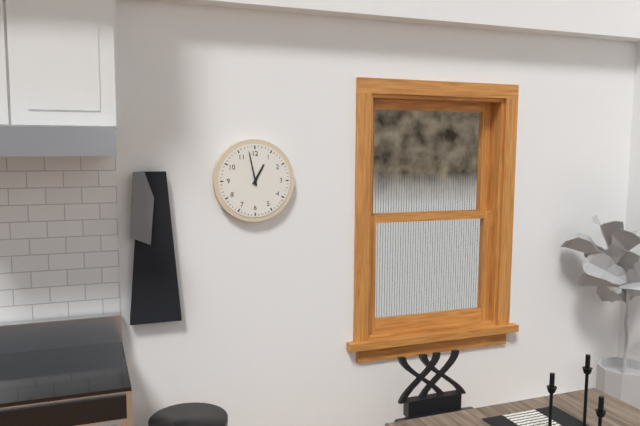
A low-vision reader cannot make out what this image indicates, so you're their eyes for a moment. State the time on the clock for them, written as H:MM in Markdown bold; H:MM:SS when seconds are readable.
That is **12:58**
